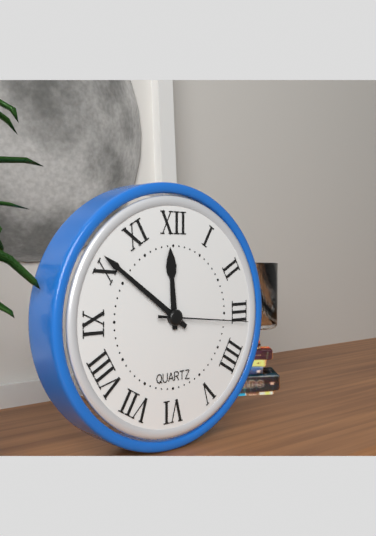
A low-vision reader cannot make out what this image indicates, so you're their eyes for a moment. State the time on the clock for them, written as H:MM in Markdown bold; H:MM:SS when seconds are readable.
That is **11:51:16**
